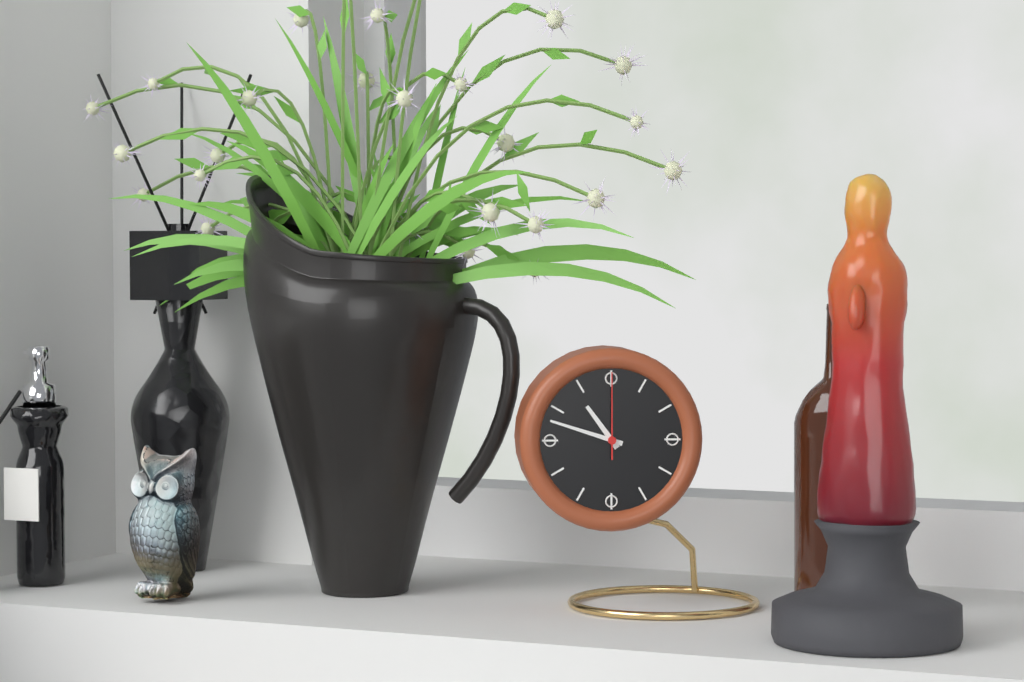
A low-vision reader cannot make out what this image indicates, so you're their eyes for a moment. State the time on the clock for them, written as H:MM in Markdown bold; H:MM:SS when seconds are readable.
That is **10:48:00**
